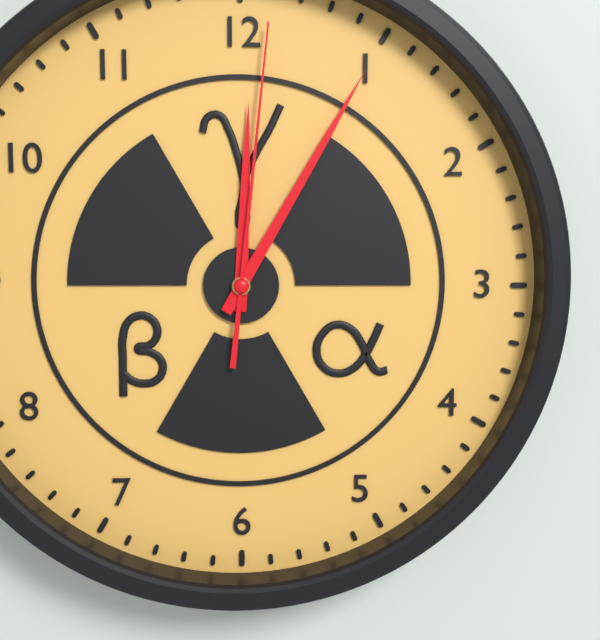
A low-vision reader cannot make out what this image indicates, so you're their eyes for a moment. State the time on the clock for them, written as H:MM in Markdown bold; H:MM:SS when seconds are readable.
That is **12:05:01**
